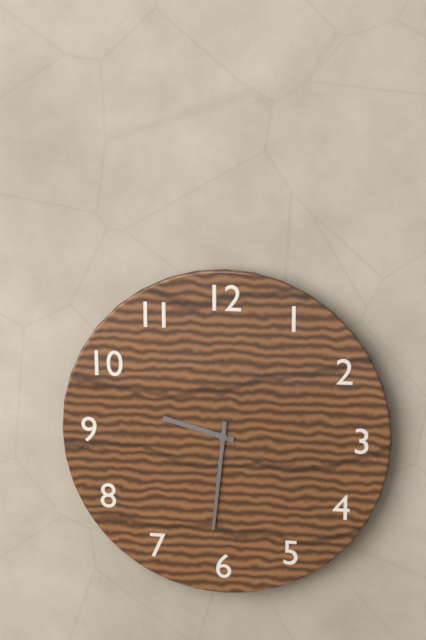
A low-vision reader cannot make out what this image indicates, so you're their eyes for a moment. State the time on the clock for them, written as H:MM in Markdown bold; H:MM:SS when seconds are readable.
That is **9:31**
